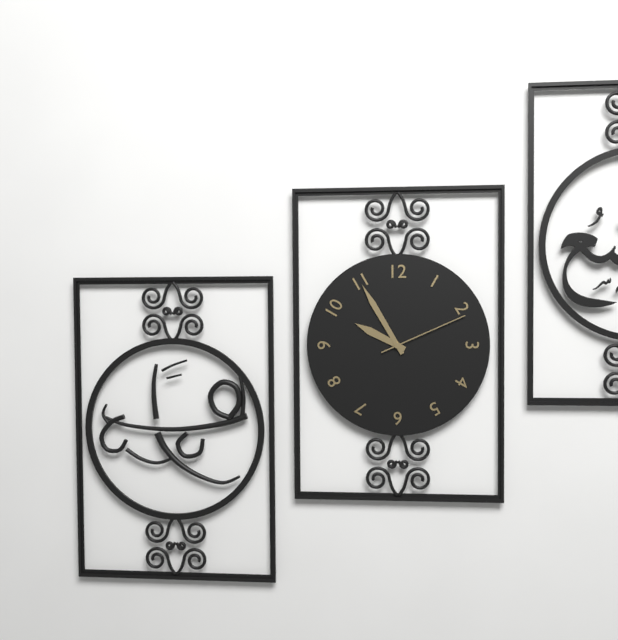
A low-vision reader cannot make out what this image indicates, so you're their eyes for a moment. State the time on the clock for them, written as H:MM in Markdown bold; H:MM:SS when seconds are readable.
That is **9:55:11**
